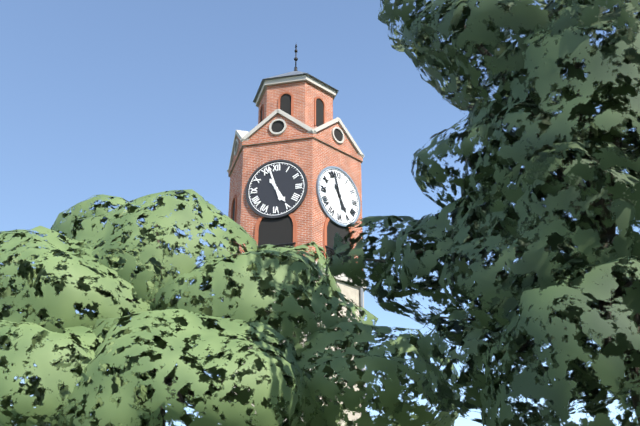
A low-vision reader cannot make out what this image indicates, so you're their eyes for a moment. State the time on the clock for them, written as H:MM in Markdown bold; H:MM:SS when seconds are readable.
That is **4:57**
